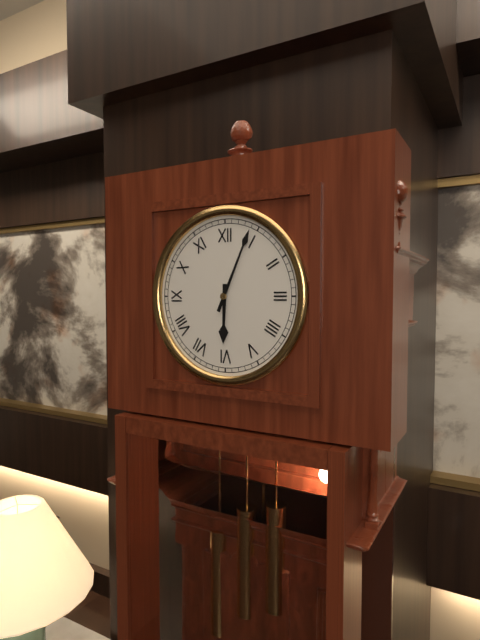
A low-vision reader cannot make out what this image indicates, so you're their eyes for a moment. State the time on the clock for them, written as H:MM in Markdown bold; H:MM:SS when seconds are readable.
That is **6:04**
